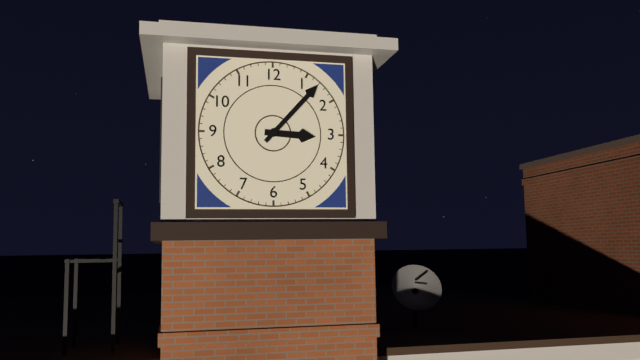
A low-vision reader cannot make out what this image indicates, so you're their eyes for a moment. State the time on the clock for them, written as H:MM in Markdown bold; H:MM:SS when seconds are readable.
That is **3:07**
